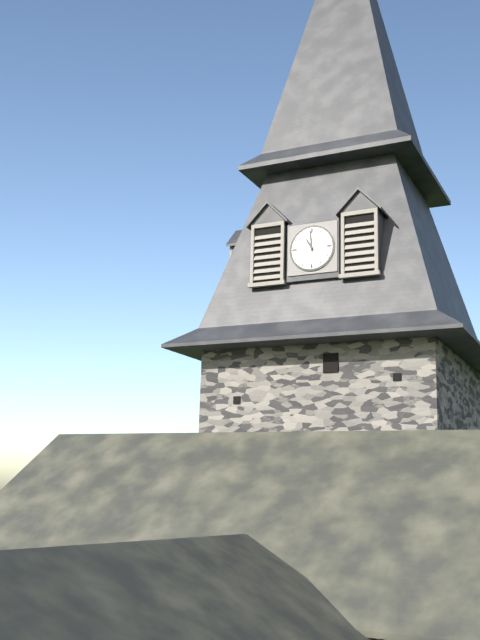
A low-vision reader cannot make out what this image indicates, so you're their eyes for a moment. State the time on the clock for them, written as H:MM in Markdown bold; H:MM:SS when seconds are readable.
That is **10:59**
